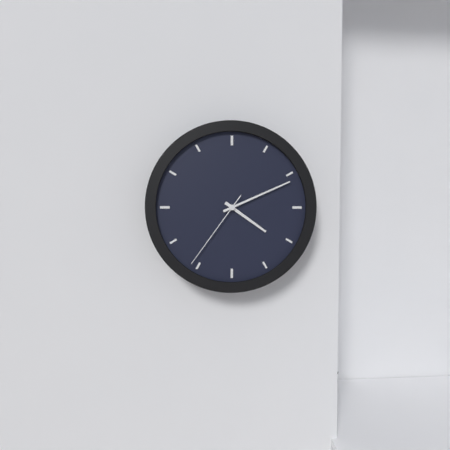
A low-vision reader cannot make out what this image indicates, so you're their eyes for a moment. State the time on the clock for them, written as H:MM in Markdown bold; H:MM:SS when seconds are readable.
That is **4:11:36**
